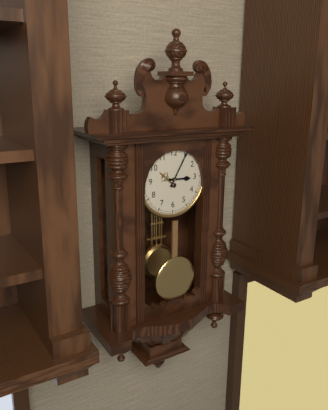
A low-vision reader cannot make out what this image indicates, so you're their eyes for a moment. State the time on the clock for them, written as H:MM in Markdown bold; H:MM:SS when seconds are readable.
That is **3:05**
